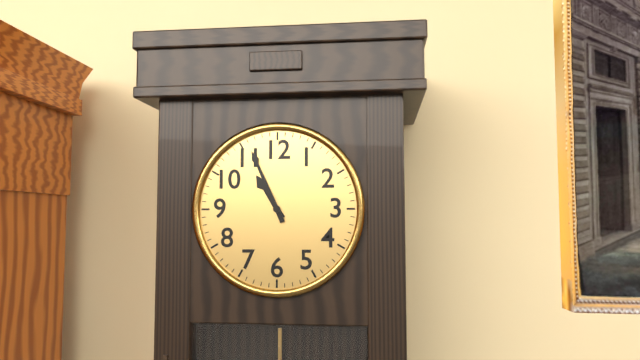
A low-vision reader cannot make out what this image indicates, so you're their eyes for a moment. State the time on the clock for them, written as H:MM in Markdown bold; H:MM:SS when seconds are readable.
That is **10:56**
